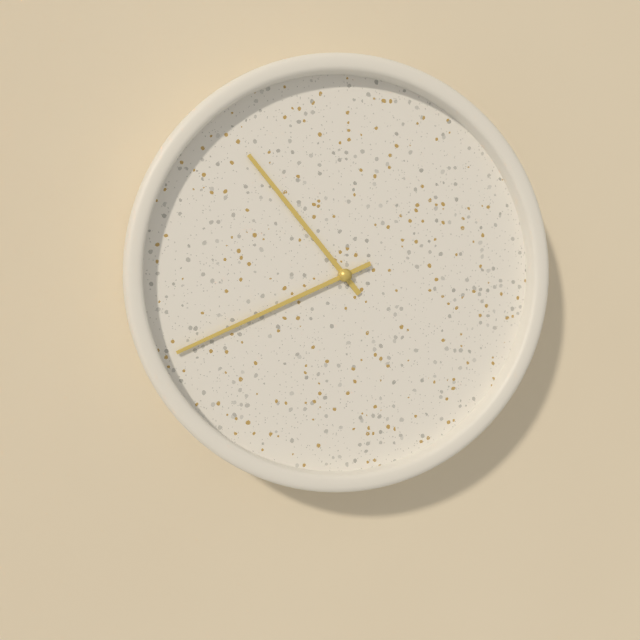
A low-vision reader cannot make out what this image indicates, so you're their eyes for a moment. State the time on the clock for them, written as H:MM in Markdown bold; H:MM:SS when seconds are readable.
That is **10:41**
